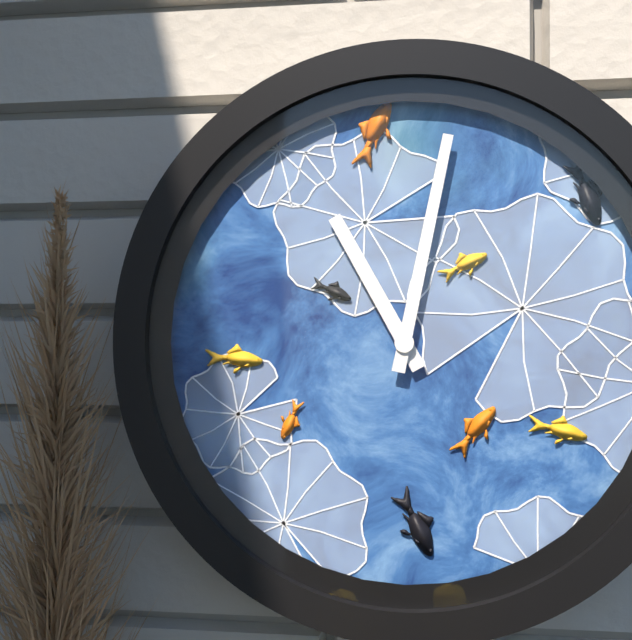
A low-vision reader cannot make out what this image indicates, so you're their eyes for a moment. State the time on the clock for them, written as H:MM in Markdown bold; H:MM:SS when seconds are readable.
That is **11:02**
